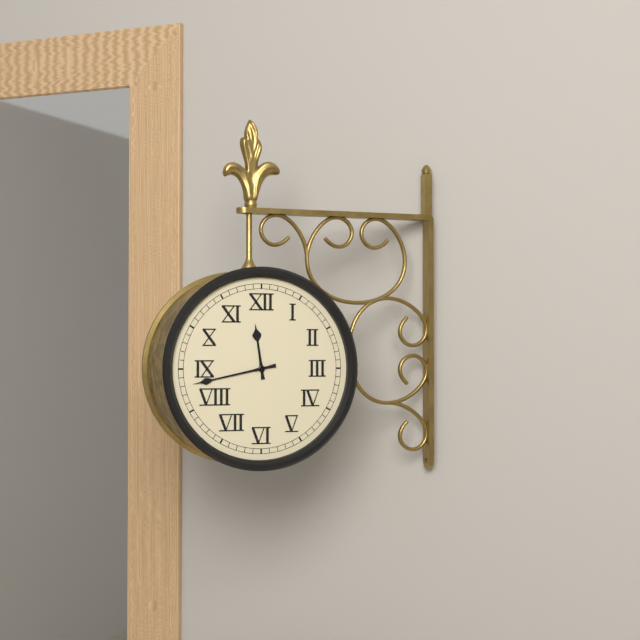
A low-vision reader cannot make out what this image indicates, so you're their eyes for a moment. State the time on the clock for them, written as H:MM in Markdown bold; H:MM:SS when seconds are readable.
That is **11:43**
